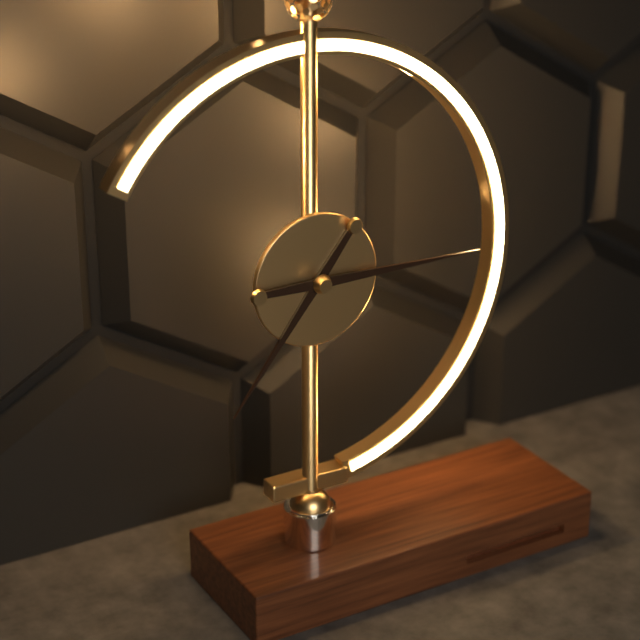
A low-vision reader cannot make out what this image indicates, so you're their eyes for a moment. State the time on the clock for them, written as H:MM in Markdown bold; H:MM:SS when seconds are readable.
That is **7:15**
